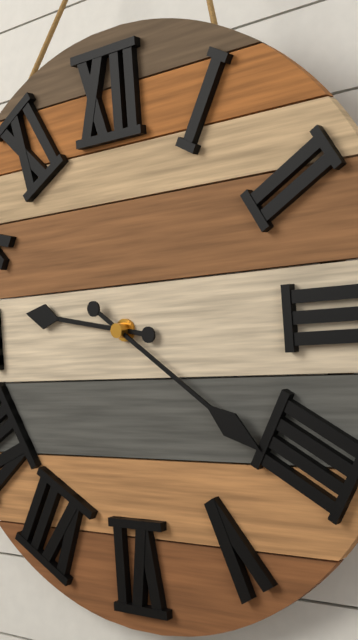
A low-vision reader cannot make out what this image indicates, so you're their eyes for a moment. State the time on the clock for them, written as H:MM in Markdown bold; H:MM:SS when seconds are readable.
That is **9:21**
